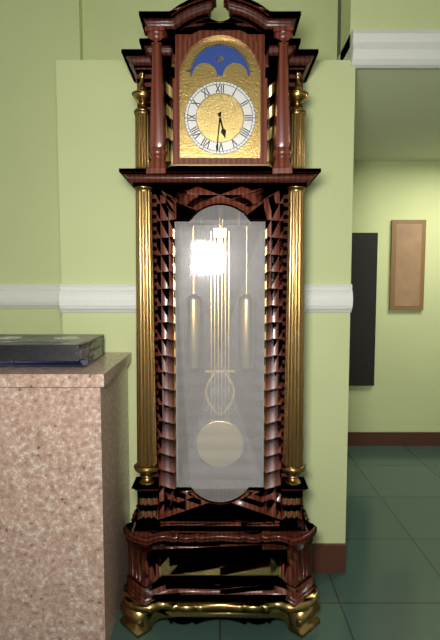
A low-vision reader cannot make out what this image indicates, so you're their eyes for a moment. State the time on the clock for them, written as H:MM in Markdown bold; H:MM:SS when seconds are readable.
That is **5:31**
